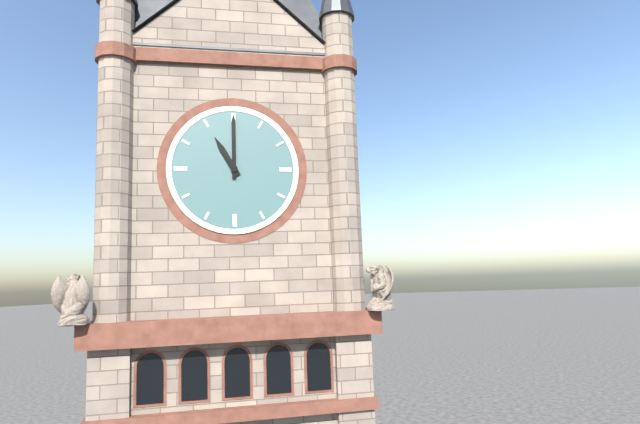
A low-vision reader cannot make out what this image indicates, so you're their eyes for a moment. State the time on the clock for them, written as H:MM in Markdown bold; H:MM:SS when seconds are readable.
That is **11:00**
